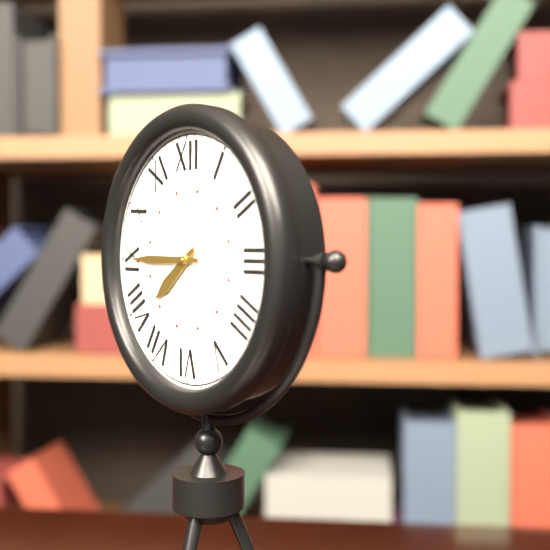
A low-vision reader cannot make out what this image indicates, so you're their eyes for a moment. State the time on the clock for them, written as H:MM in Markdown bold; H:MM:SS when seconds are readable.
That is **7:45**
